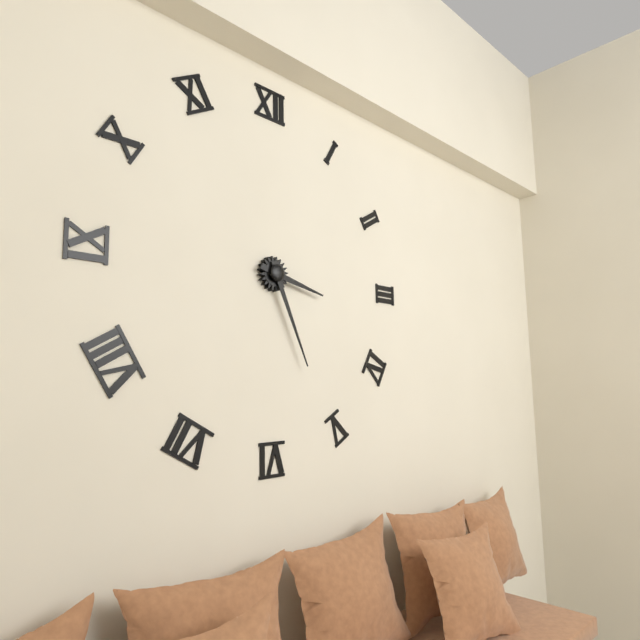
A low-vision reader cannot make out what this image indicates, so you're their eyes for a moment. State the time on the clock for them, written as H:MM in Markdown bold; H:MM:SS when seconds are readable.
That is **3:26**
